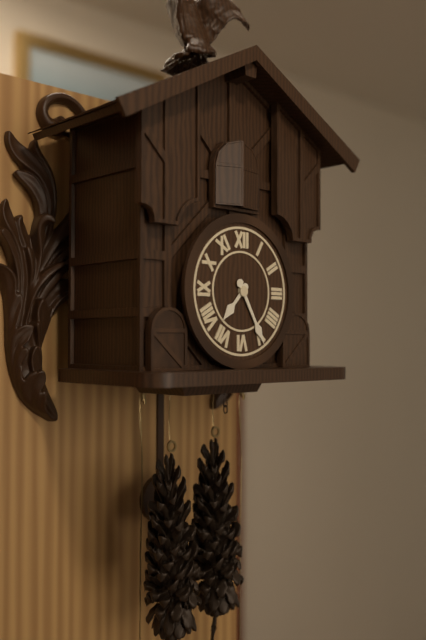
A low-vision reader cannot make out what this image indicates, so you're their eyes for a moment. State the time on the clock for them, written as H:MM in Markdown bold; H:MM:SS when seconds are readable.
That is **7:25**
